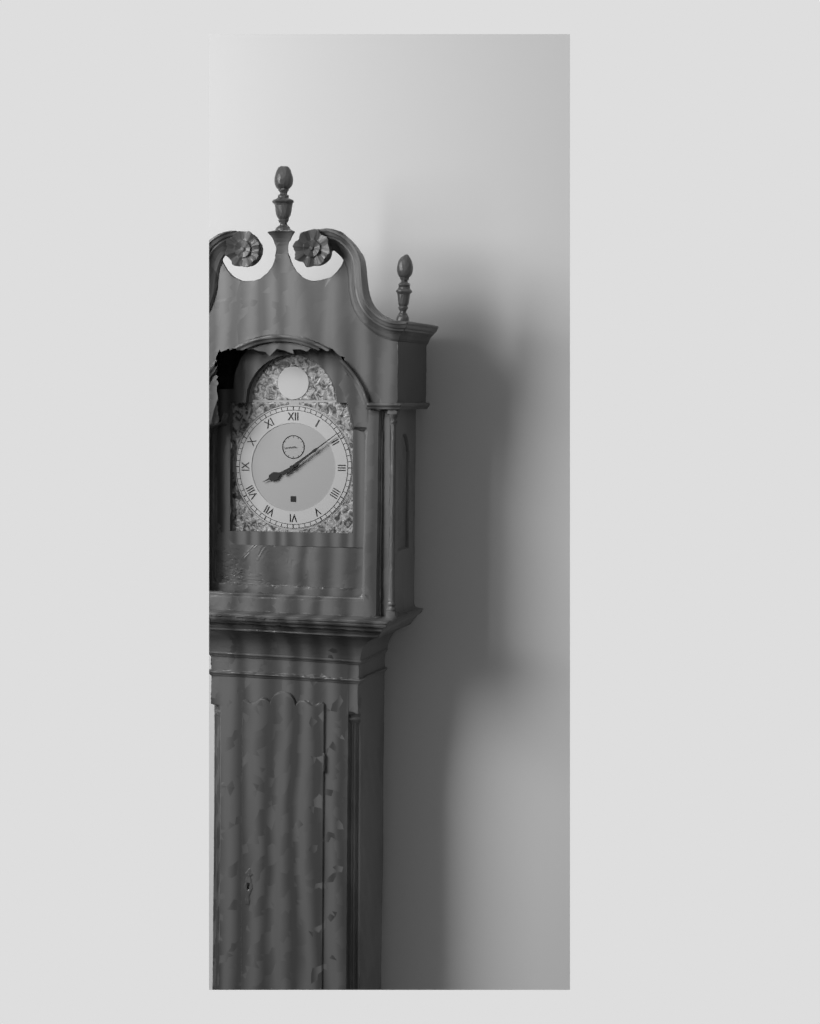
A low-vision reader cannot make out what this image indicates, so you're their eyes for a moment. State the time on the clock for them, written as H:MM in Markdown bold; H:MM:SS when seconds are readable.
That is **8:09**
